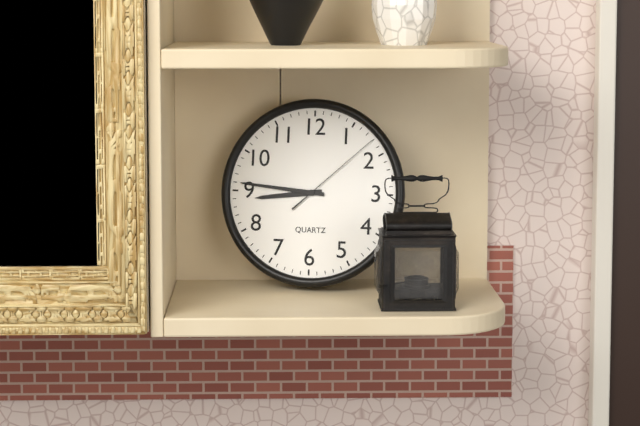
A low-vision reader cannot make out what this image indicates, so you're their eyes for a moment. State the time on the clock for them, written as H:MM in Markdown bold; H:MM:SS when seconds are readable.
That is **8:46:08**
